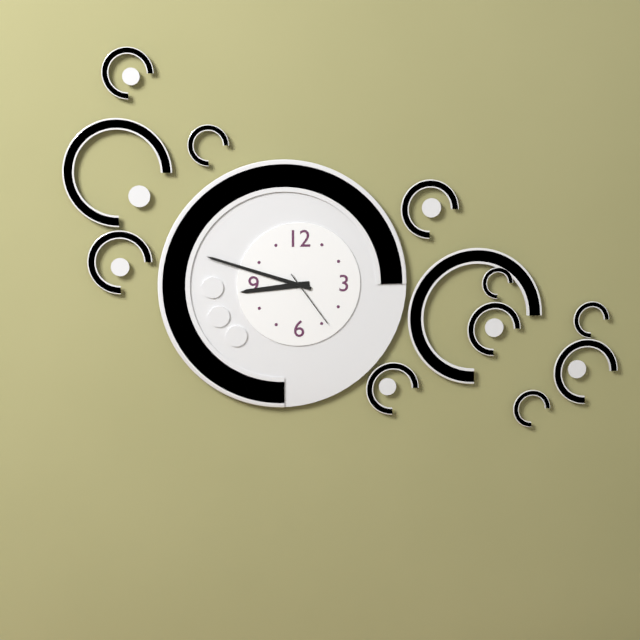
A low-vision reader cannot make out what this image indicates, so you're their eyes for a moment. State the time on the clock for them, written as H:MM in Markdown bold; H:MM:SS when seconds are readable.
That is **8:48:24**
